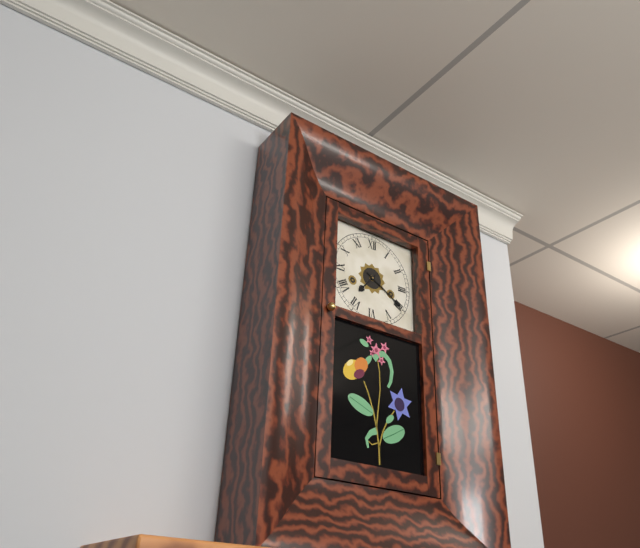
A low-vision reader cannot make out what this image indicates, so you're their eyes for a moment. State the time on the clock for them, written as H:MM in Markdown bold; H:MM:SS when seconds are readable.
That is **7:20**
